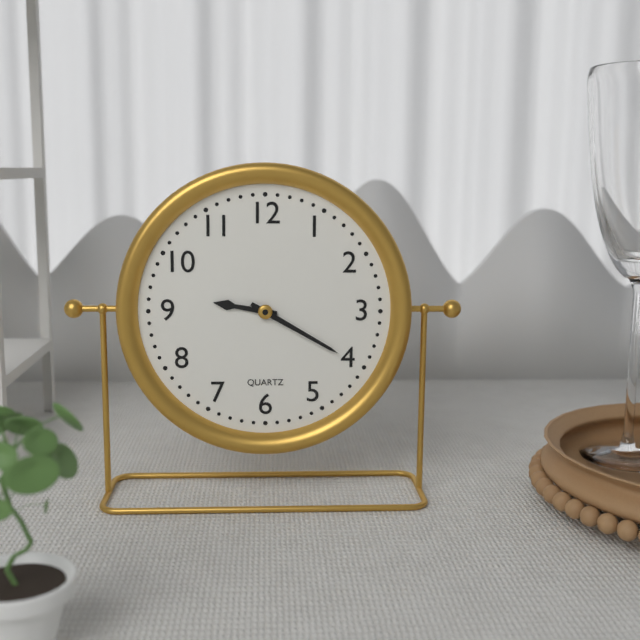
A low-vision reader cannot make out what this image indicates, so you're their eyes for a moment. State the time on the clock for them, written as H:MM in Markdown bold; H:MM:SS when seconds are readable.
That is **9:20**
